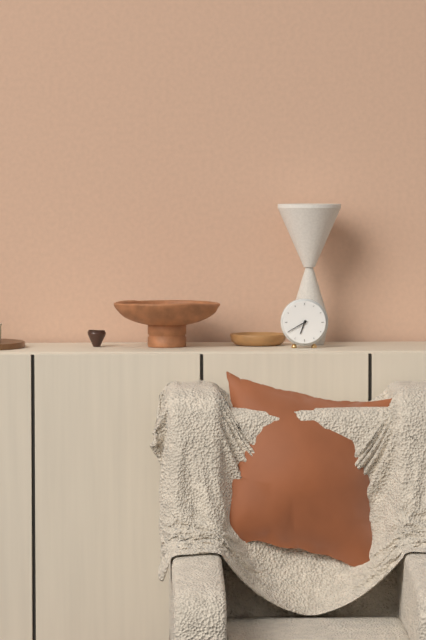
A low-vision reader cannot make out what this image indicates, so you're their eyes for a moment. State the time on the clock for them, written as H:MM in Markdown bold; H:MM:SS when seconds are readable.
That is **6:40**
